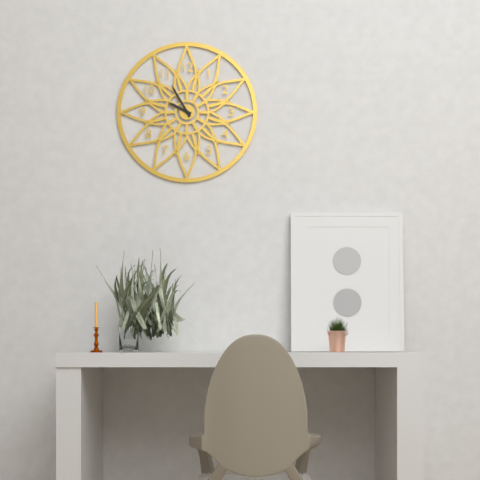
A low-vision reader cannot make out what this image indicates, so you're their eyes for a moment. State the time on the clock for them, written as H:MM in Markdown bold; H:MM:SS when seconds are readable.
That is **9:55**
